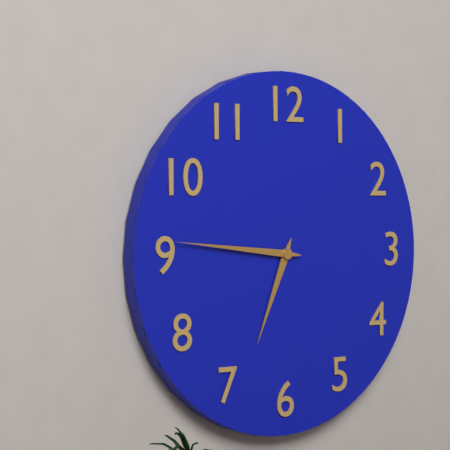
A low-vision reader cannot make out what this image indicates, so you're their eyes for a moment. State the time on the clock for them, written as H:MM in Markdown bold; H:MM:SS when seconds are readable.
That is **6:46**
